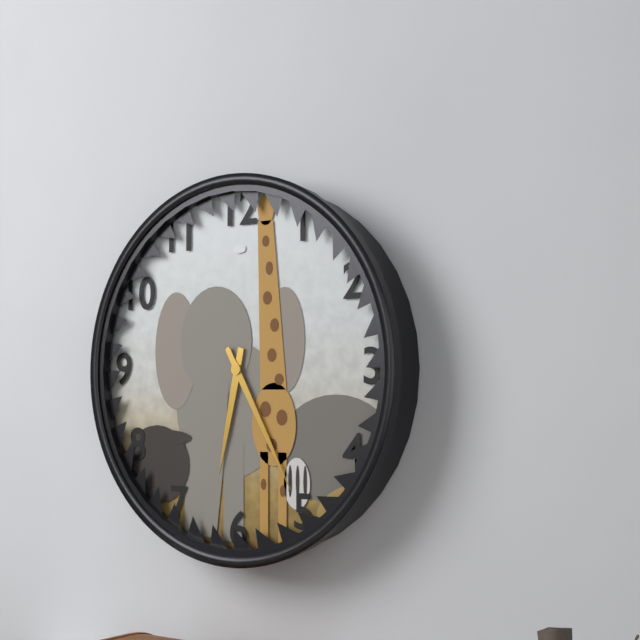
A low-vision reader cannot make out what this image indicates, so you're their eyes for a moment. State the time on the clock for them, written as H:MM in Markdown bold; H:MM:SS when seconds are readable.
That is **6:25**
